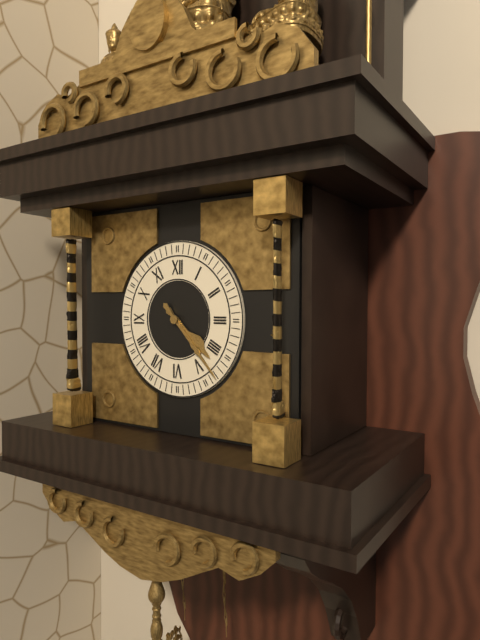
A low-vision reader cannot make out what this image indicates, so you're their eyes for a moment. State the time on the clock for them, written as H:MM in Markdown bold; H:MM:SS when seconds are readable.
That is **4:23**
